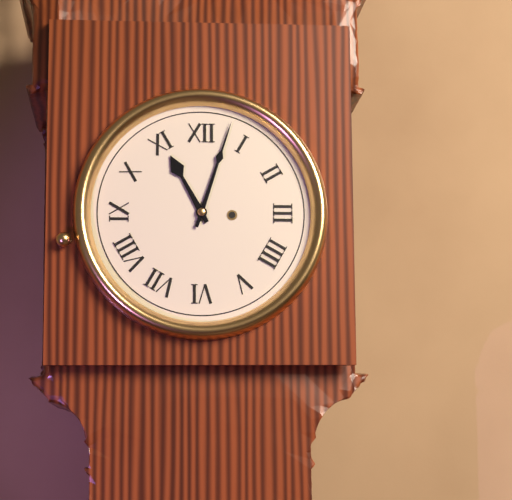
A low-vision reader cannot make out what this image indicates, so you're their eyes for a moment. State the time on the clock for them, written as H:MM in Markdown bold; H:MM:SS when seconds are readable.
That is **11:03**
